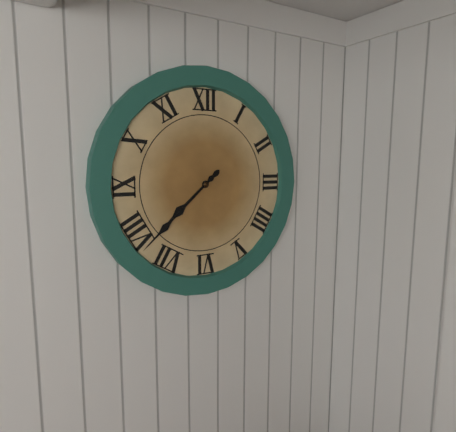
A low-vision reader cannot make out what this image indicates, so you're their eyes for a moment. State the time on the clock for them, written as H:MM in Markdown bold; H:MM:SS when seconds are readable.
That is **7:38**
